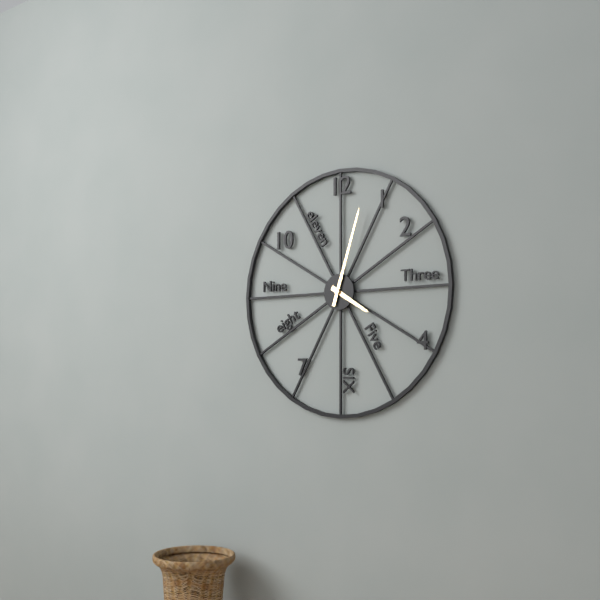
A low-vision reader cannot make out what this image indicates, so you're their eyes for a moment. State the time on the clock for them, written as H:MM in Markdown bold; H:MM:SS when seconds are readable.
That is **4:03**
